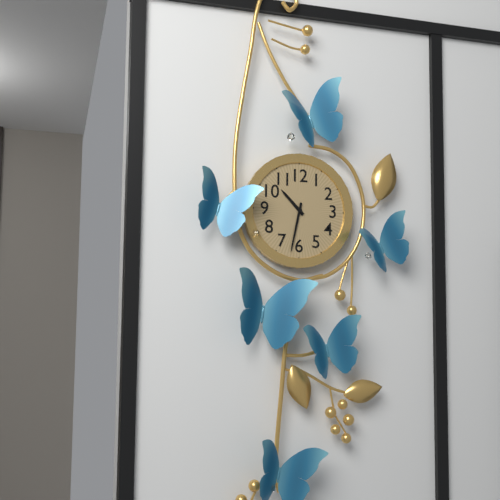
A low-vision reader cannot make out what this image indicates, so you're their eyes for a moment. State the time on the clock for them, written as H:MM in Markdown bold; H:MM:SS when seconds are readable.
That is **10:32**
